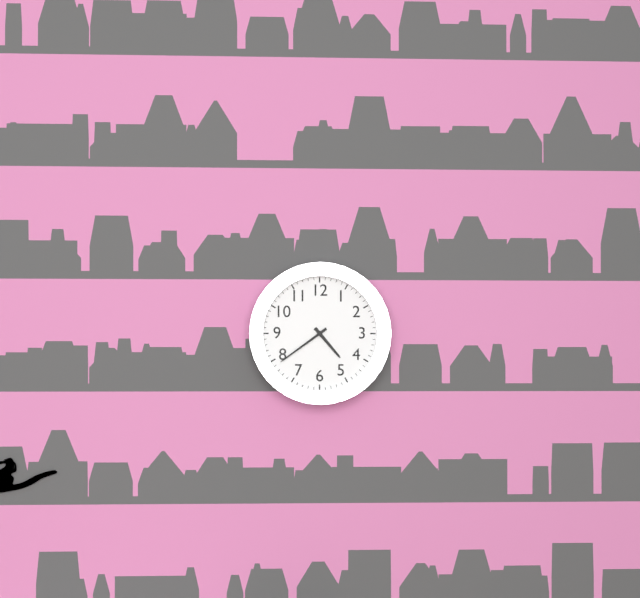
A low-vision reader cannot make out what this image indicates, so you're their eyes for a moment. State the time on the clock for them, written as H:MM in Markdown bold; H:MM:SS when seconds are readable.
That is **4:39**
